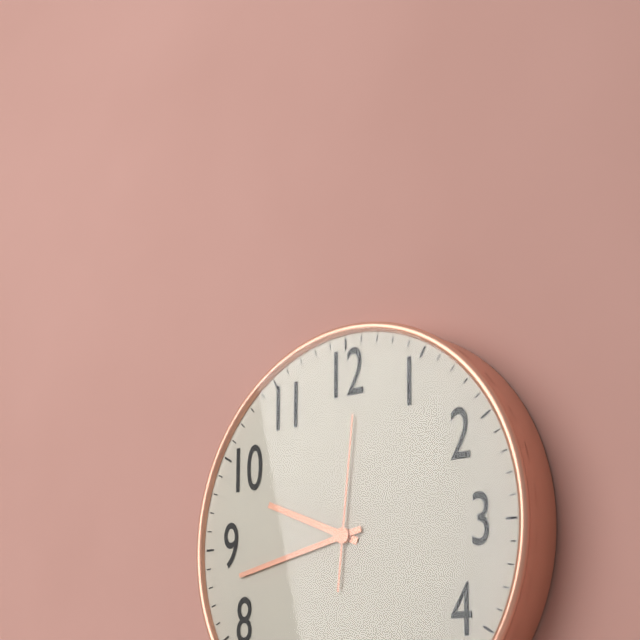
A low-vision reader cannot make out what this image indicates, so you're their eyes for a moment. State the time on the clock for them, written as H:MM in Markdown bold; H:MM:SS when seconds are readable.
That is **9:43:01**
